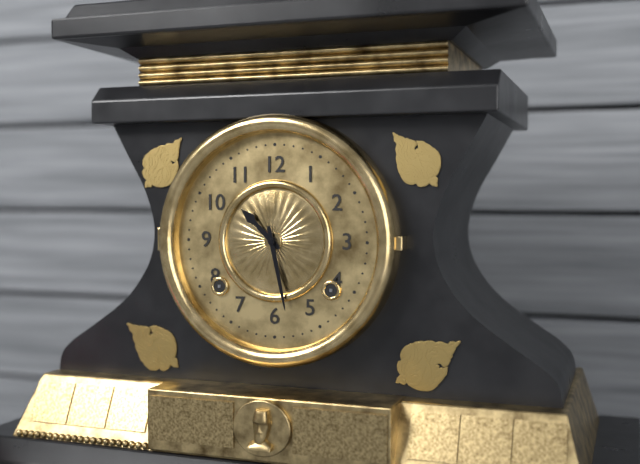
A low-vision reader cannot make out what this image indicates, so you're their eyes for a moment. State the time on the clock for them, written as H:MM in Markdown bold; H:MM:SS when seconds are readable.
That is **10:28**
